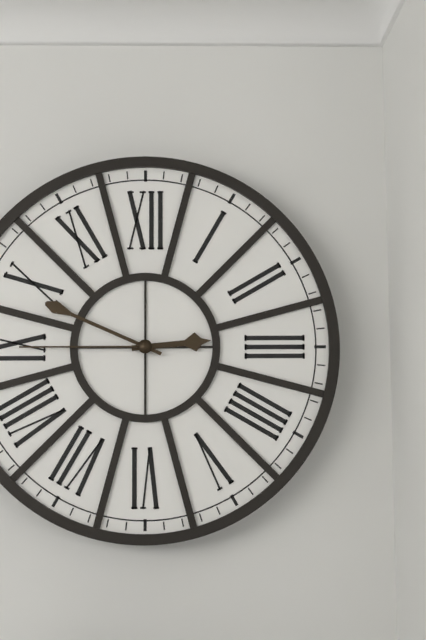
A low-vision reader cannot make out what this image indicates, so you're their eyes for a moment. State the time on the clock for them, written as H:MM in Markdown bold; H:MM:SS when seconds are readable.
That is **2:49:45**
